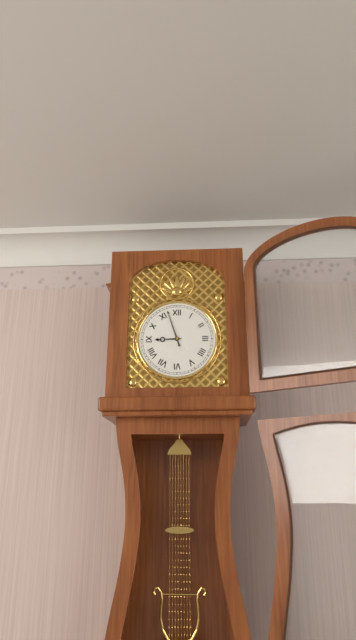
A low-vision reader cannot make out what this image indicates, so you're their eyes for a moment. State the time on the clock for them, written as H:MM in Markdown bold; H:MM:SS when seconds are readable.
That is **8:57**
